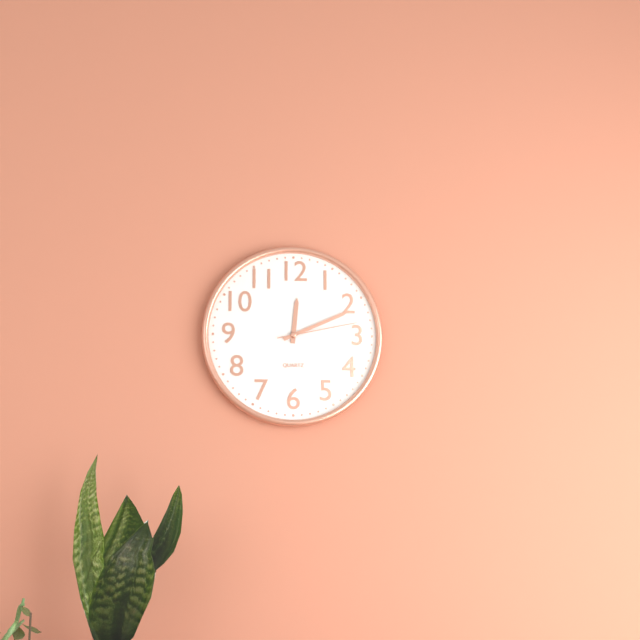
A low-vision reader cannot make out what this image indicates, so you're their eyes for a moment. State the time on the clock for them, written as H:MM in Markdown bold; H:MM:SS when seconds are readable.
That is **12:11:13**
